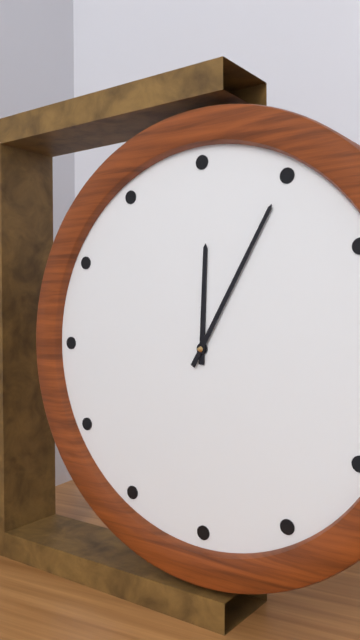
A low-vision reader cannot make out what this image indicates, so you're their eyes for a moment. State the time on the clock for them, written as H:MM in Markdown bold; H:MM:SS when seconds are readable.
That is **12:05**
